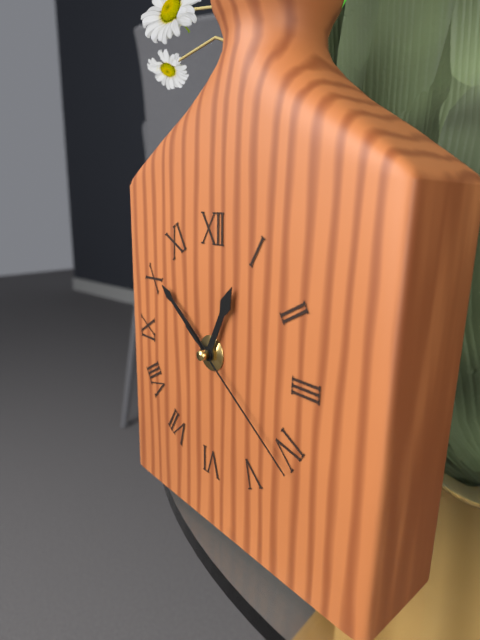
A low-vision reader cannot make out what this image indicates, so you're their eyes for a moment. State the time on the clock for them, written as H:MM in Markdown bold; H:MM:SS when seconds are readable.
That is **12:51:21**
